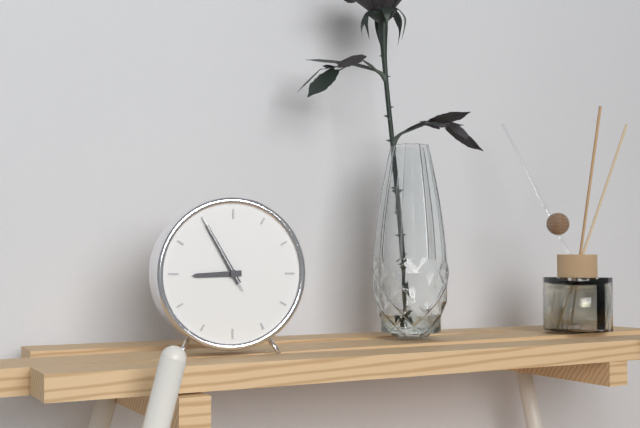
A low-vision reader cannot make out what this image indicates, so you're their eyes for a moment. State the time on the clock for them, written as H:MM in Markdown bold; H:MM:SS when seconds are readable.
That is **8:55:55**
